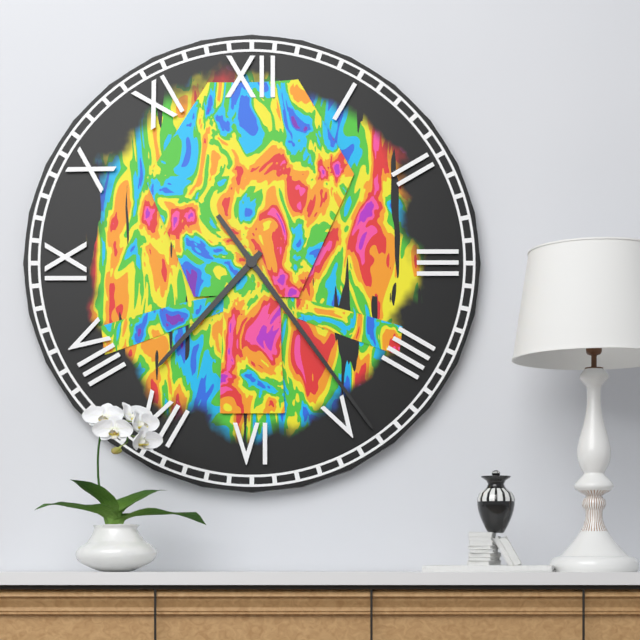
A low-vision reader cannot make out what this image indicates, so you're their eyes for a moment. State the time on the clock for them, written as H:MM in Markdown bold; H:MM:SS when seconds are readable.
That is **7:24**
